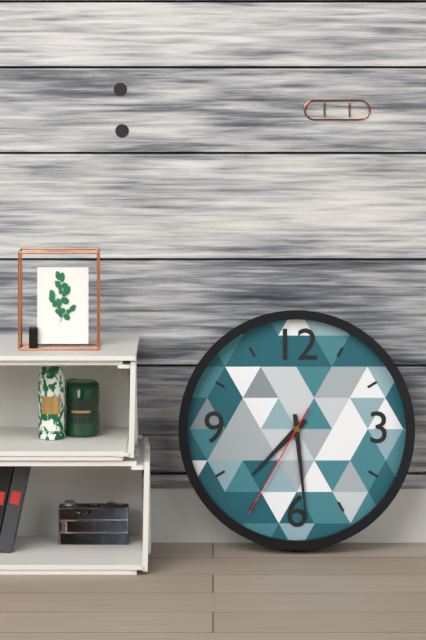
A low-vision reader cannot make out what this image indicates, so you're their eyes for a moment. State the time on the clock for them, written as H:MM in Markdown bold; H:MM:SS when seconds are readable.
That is **7:29:35**
